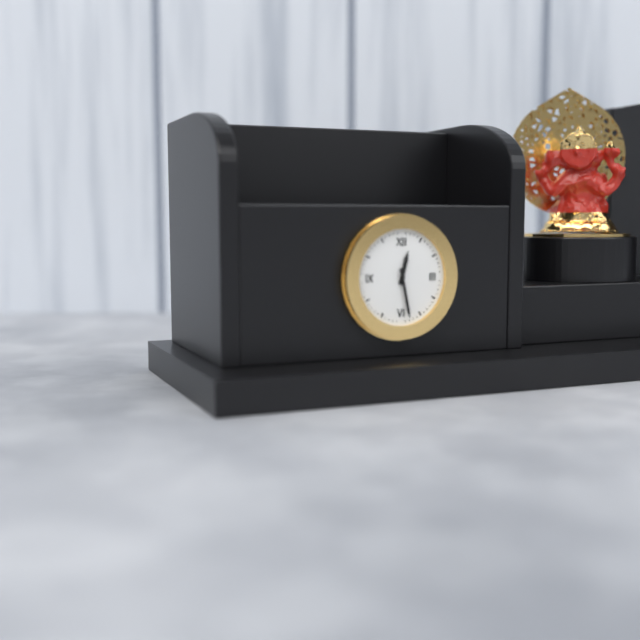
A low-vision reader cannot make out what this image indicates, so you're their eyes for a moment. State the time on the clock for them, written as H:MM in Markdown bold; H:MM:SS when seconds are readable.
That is **12:28**
